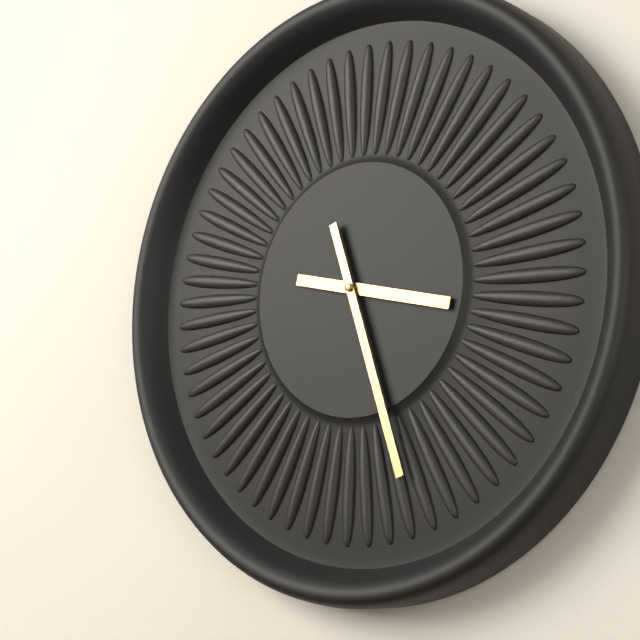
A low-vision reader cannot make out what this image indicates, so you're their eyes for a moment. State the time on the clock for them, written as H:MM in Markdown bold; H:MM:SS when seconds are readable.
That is **3:27**
